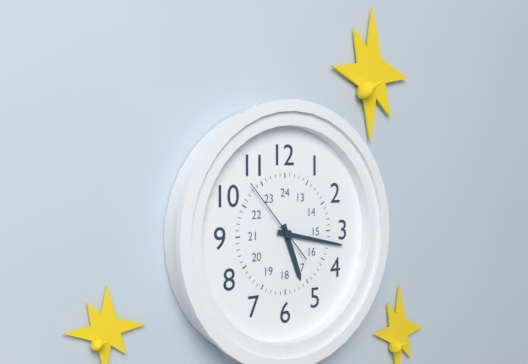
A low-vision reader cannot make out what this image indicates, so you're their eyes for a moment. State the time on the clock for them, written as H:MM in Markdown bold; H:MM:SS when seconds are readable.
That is **5:17:53**
